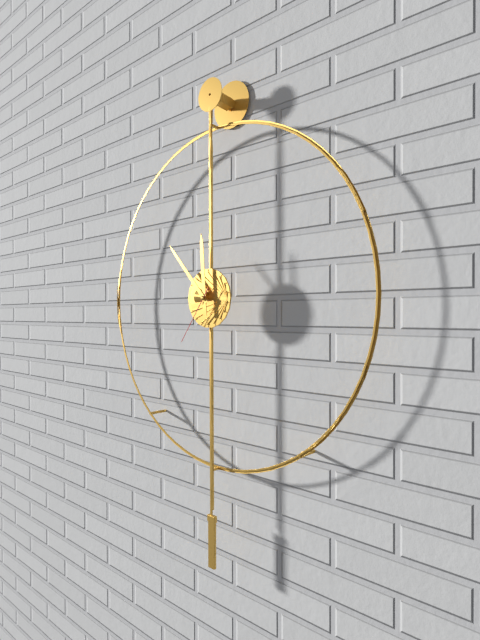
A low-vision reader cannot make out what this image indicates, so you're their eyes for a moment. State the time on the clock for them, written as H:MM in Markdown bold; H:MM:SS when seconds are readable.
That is **11:53:36**
